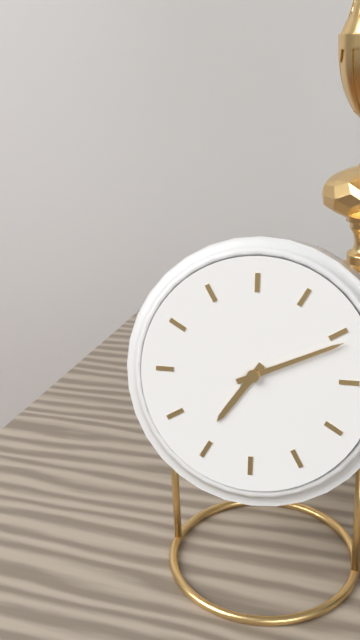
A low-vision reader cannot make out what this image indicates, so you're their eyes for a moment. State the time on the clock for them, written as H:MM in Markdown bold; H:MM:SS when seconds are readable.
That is **7:11**
